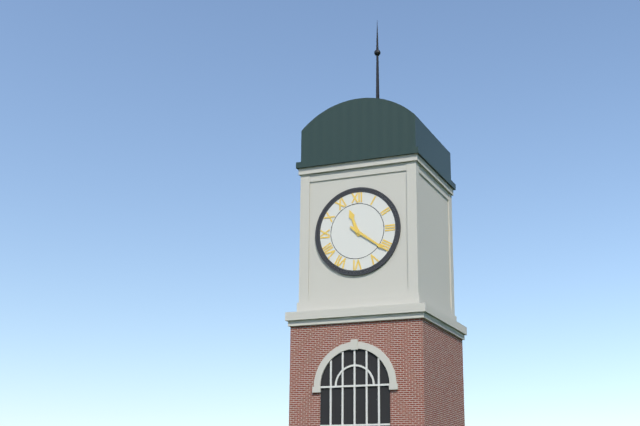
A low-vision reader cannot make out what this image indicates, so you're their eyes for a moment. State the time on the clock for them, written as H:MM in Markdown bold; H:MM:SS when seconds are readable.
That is **11:21**
